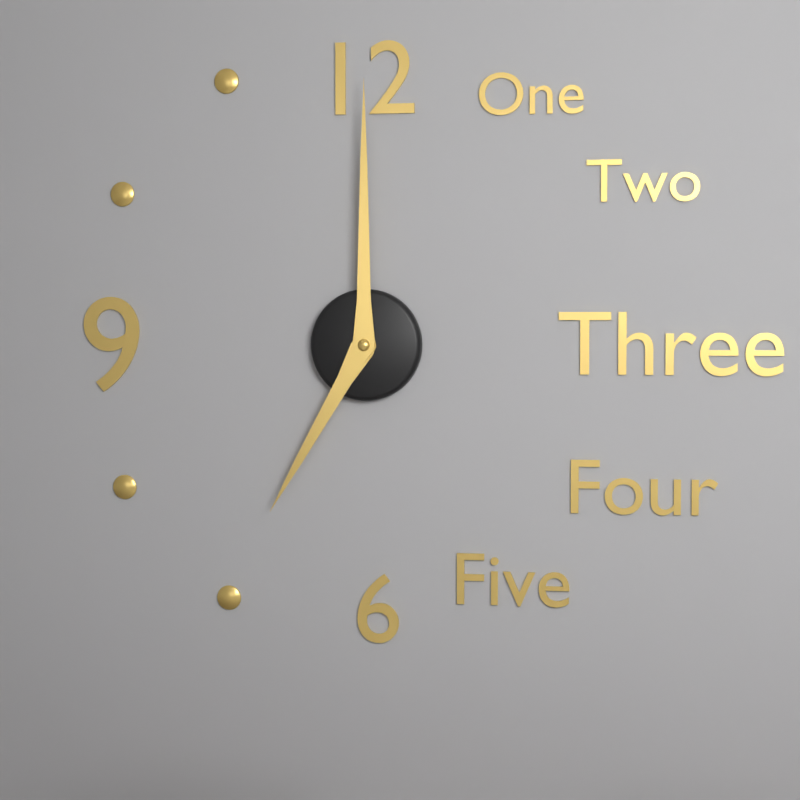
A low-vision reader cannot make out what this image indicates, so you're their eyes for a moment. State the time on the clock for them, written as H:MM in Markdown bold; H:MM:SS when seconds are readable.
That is **7:00**
